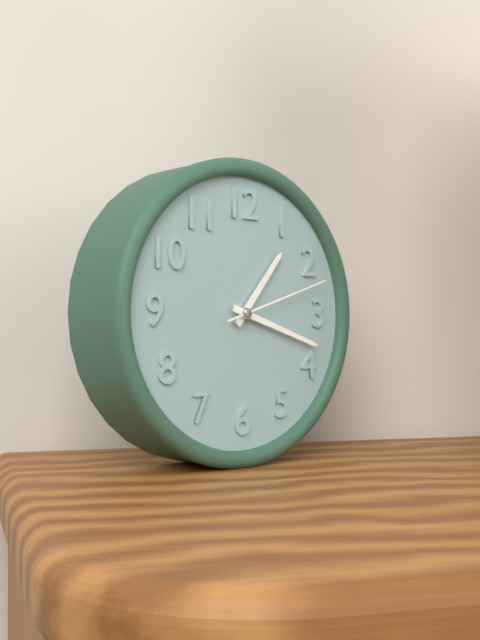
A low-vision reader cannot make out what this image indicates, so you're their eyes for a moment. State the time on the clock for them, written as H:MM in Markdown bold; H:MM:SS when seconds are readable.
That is **1:18:12**
